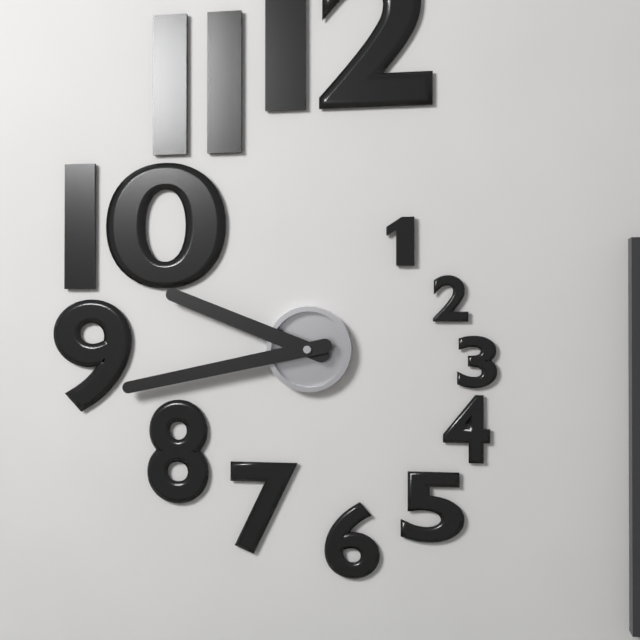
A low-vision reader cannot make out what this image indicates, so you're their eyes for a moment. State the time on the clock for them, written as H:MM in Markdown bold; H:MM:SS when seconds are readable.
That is **9:43**
